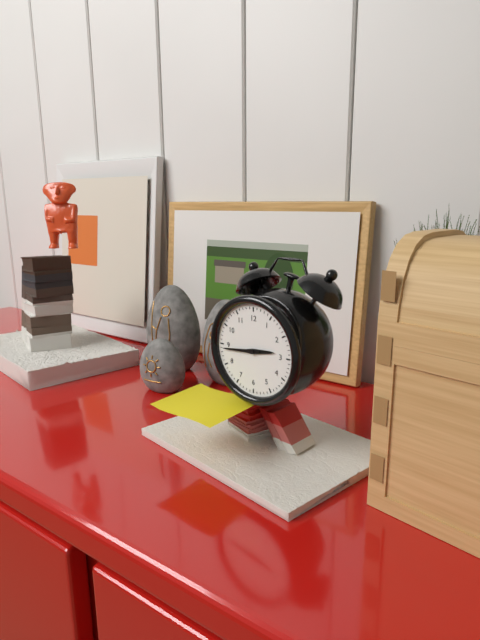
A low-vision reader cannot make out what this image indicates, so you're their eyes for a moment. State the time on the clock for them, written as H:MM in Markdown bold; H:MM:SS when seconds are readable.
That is **2:44**
